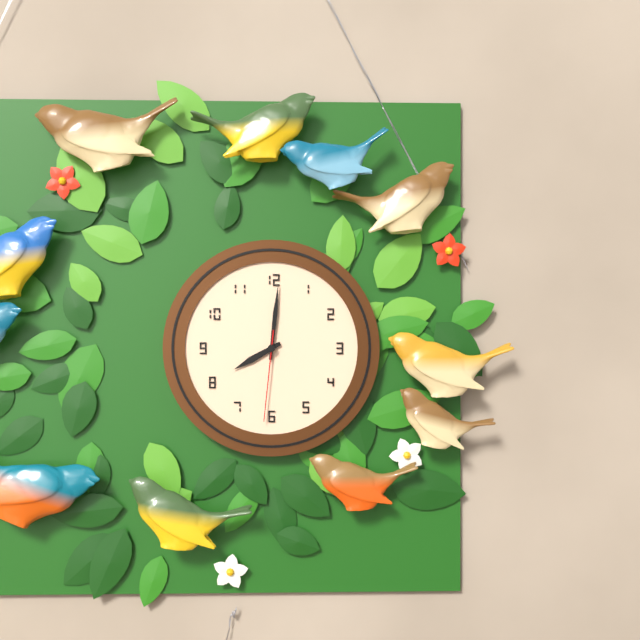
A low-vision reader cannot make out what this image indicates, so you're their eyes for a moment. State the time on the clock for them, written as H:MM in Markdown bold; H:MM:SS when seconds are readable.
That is **8:01:31**
